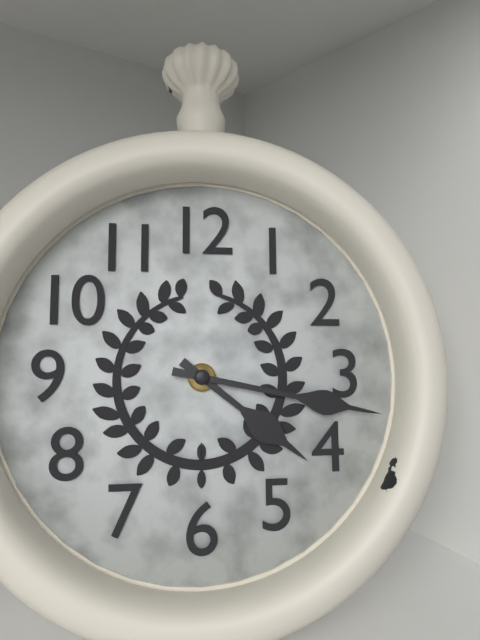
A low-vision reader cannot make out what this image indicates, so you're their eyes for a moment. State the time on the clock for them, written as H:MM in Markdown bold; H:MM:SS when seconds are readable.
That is **4:17**
